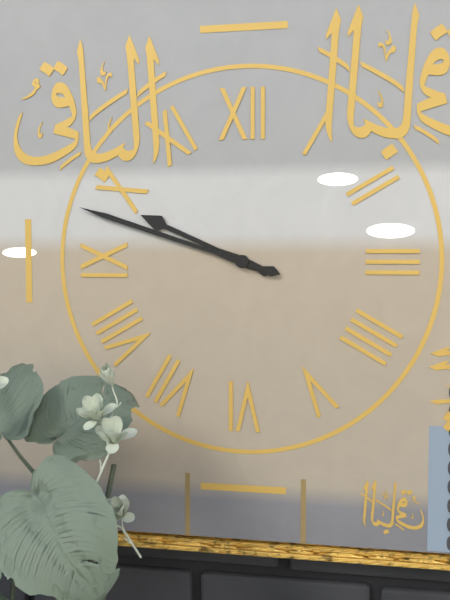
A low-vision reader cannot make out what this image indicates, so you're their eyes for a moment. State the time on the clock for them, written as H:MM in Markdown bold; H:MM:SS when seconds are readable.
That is **9:48**
